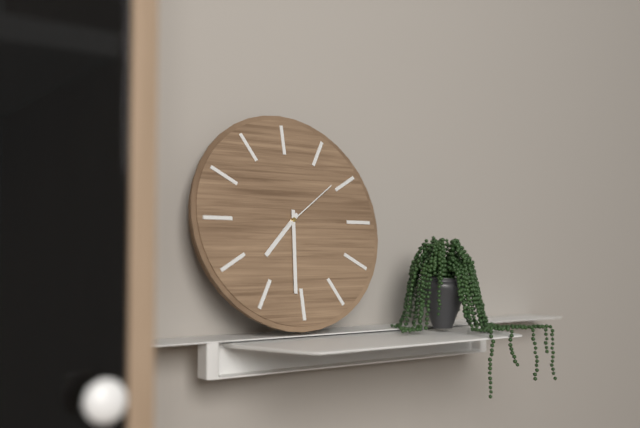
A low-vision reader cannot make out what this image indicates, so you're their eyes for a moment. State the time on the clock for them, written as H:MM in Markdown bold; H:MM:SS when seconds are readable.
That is **7:31:09**
